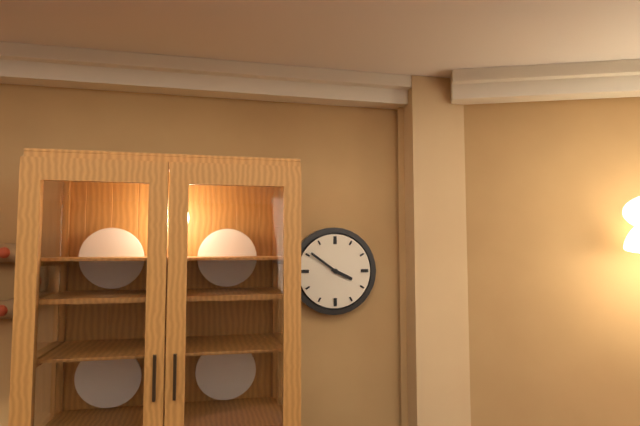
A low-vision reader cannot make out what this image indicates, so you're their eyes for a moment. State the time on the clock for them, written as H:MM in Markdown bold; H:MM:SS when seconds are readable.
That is **3:51**
